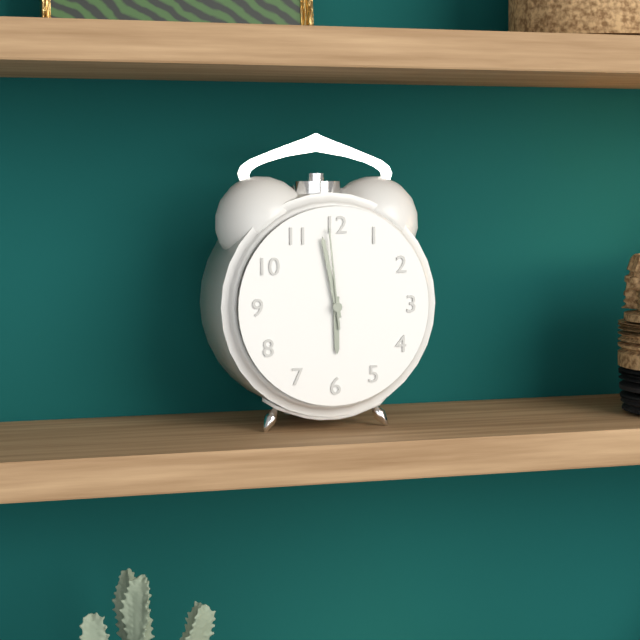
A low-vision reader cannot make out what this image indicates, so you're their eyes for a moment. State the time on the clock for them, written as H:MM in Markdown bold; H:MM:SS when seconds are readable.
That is **5:58:59**
